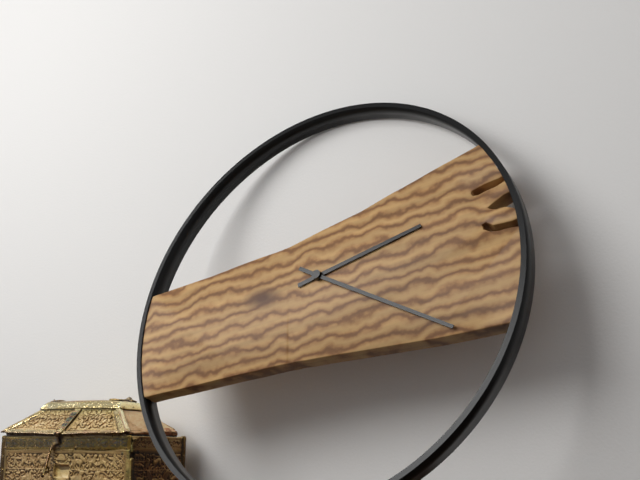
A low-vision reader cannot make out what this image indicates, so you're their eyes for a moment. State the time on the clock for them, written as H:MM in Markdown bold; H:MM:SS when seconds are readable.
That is **2:19**
